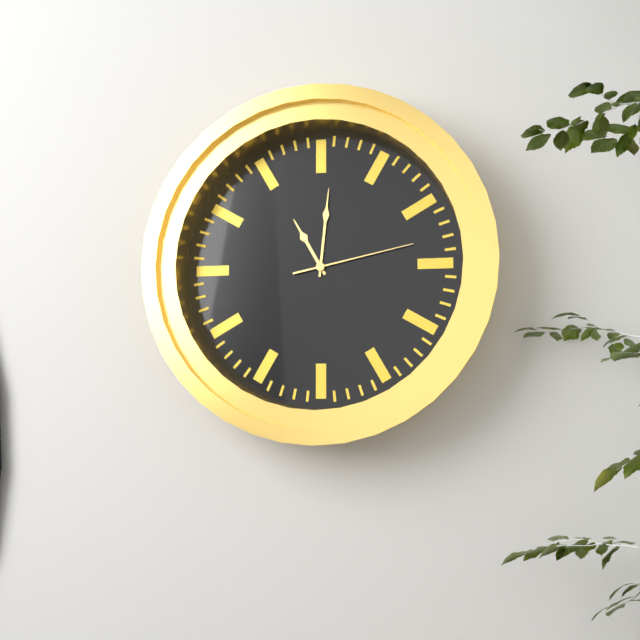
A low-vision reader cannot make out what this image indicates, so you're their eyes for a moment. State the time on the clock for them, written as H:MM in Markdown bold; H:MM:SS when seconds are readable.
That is **11:01:13**
